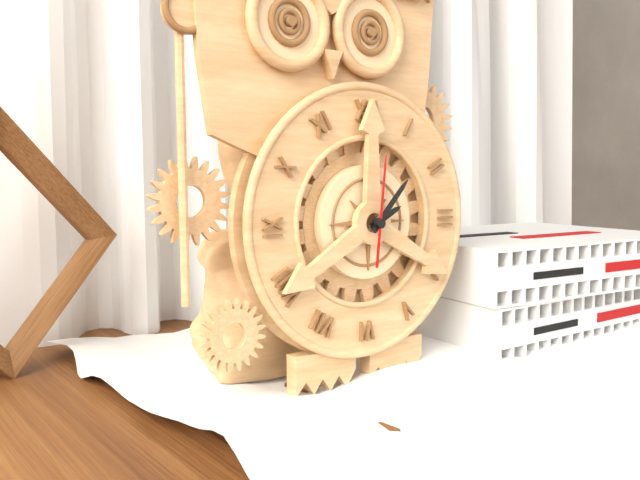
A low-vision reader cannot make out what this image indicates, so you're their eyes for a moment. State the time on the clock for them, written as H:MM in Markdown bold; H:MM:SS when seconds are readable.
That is **2:07:01**
